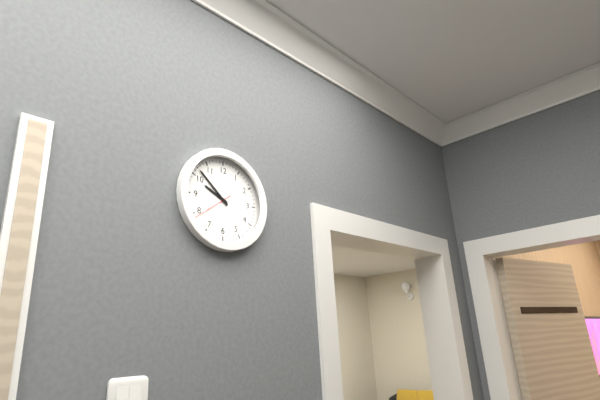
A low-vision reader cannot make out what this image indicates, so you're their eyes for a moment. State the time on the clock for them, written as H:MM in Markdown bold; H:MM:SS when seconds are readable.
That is **9:52**
